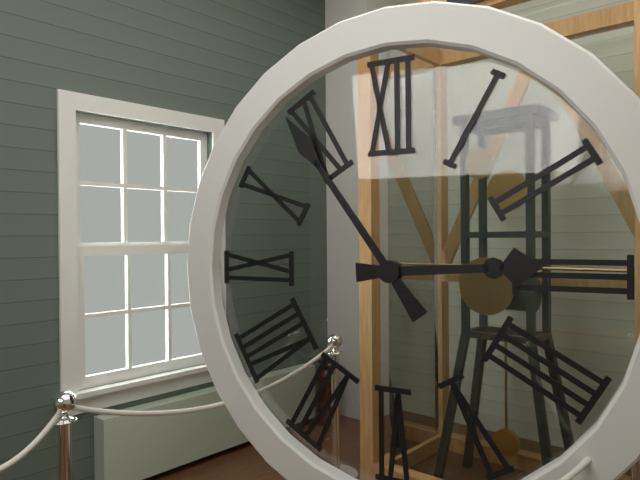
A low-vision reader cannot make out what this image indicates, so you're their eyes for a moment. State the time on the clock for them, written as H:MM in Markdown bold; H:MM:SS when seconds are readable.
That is **2:54**
